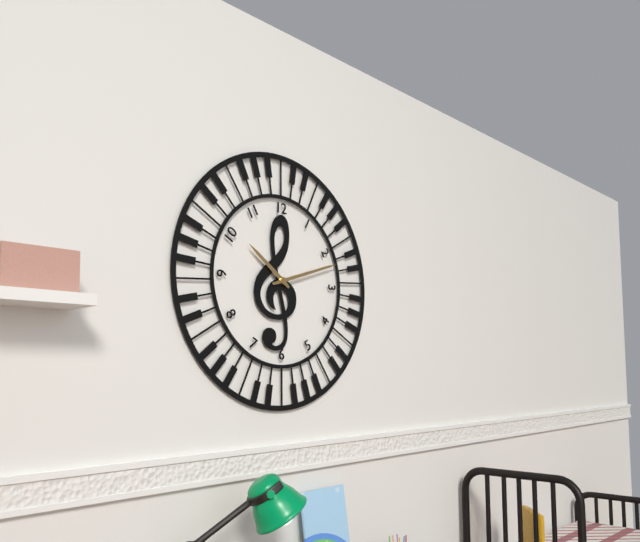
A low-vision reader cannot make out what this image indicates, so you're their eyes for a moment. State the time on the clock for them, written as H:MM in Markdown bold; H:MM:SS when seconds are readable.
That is **10:12**
